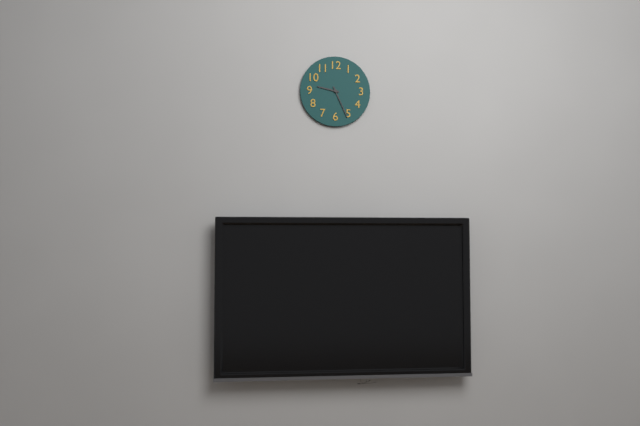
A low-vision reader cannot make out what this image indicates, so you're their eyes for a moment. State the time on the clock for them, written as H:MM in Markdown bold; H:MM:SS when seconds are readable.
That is **9:26**
